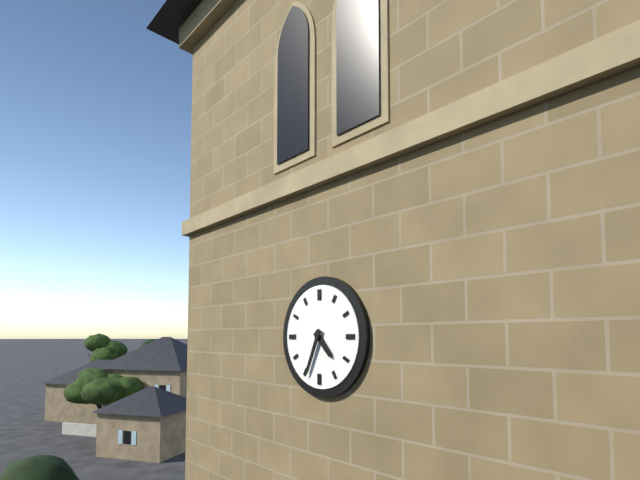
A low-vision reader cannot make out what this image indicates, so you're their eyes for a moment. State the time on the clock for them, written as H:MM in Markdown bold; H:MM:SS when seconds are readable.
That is **4:34**
